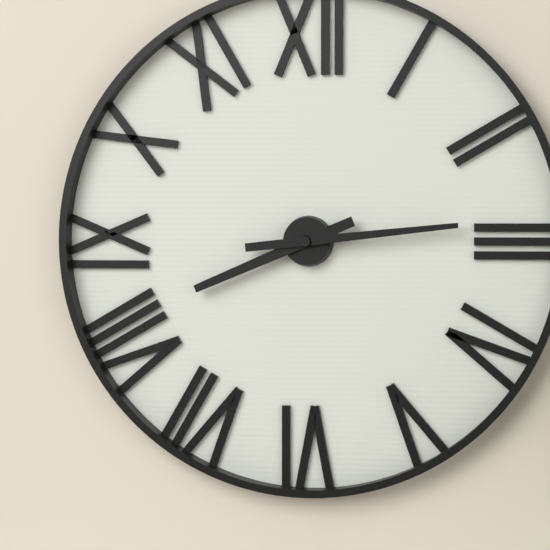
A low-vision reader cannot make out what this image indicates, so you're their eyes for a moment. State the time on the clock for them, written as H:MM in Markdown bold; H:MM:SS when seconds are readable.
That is **8:14**
